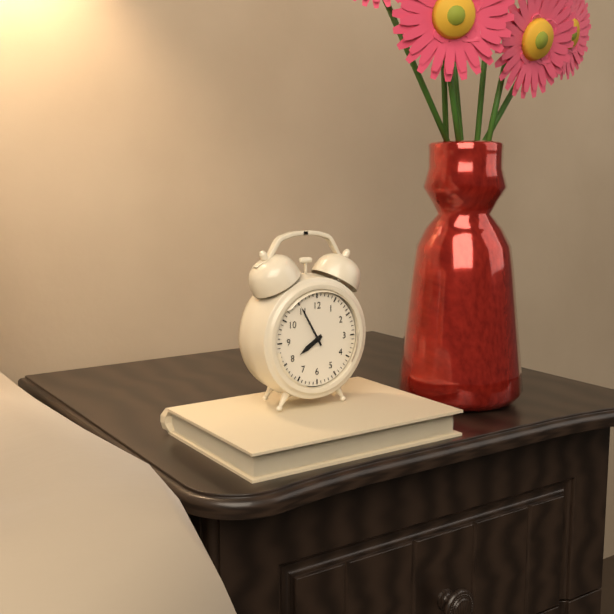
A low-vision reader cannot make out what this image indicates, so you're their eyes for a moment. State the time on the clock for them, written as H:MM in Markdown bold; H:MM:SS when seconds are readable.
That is **7:55**
